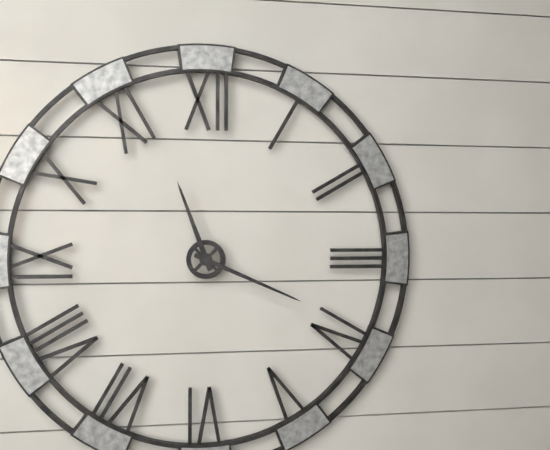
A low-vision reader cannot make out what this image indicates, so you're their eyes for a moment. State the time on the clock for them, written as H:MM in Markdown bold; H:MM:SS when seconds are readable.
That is **11:19**
